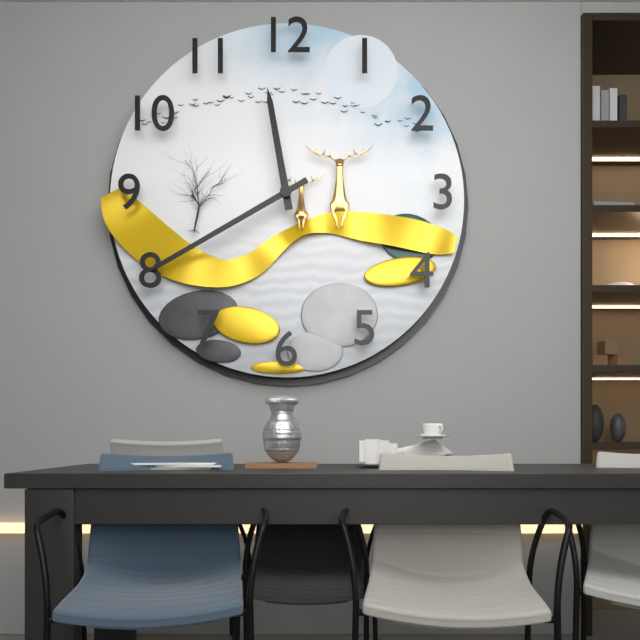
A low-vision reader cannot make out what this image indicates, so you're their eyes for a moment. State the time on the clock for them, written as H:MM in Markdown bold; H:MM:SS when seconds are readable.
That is **11:40**
